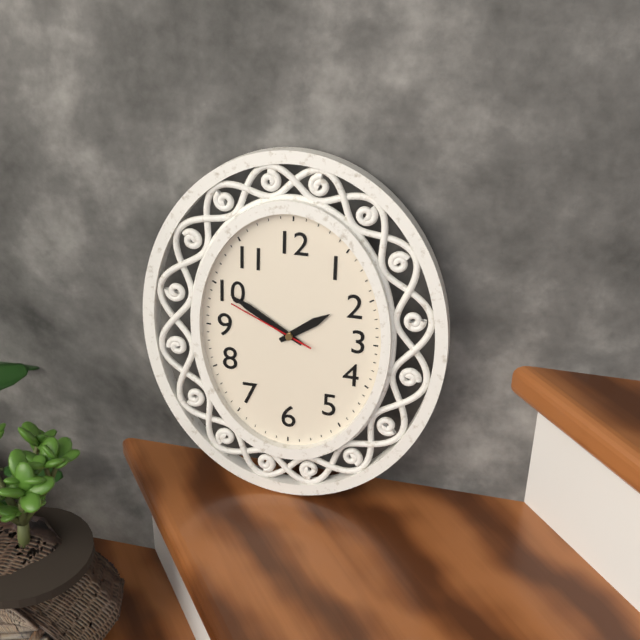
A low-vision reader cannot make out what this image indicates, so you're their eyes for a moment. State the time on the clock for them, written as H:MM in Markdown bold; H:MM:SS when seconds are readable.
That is **1:50:49**
